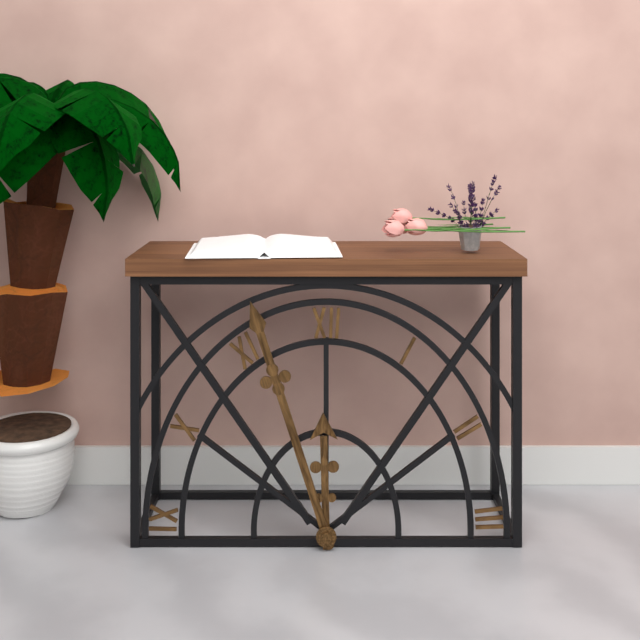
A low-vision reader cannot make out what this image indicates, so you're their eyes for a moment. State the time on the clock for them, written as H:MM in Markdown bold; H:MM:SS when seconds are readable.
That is **11:57**
